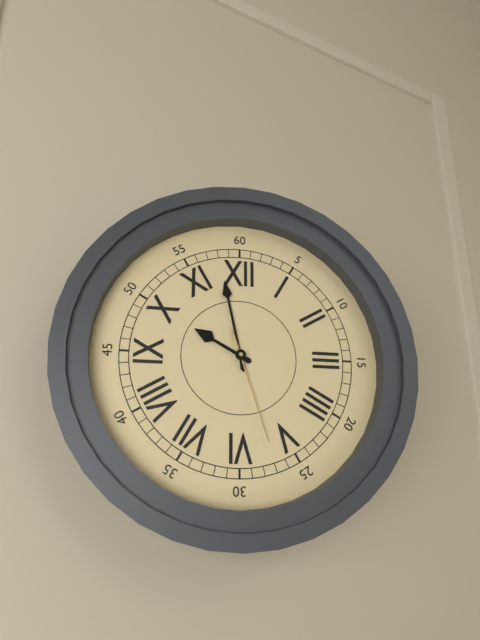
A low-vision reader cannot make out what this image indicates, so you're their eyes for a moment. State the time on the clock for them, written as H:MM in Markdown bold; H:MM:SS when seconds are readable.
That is **9:58:27**
